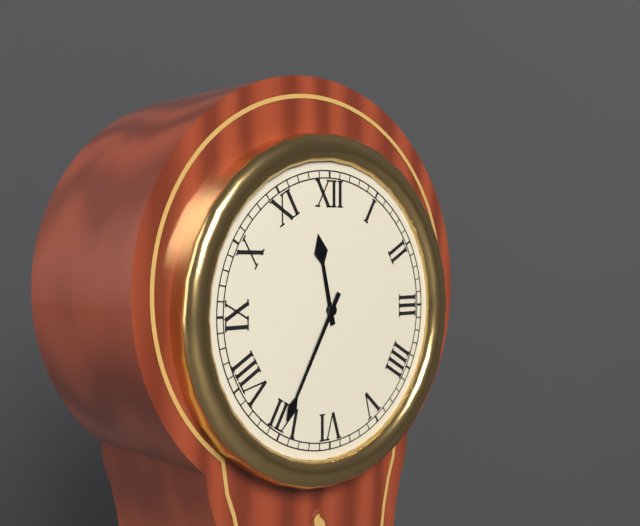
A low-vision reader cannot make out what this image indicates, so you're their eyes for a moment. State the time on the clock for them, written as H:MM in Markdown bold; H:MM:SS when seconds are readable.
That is **11:35**
